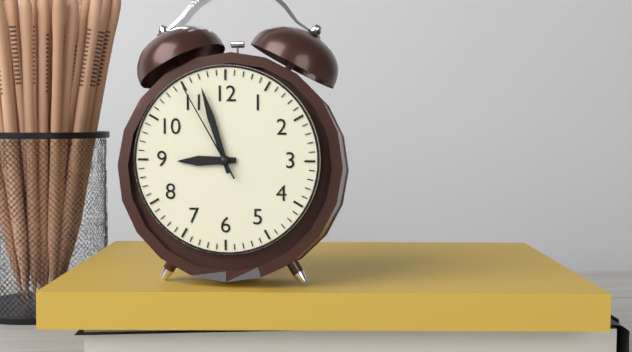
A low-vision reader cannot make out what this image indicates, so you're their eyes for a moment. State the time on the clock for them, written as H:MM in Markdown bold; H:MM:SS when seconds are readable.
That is **8:57:55**
